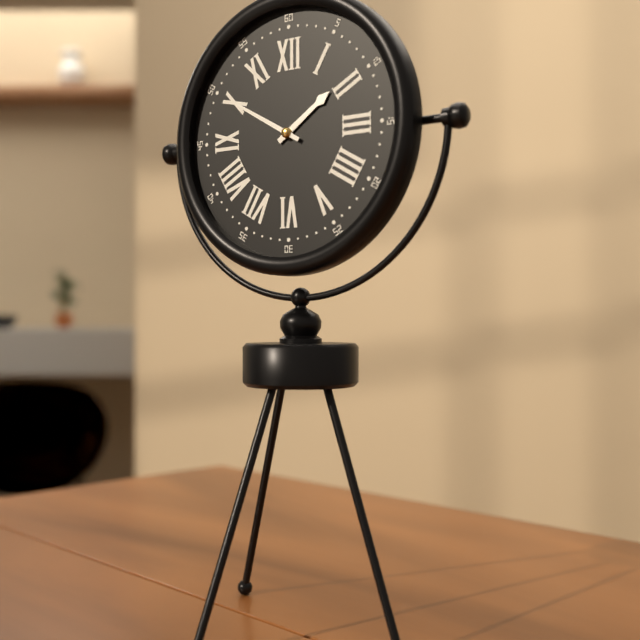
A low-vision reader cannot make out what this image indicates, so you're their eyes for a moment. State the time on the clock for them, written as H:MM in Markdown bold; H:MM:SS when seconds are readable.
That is **1:50**
